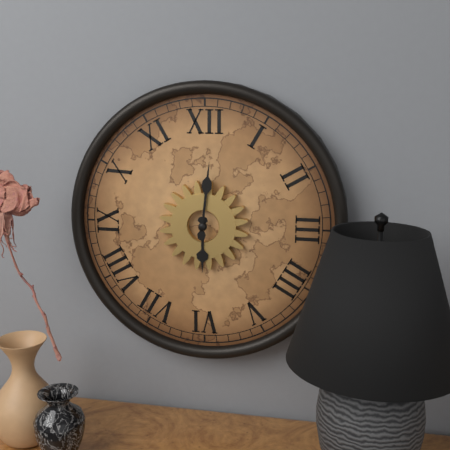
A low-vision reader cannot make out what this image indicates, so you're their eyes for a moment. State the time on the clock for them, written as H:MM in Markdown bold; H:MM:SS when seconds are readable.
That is **6:01**
